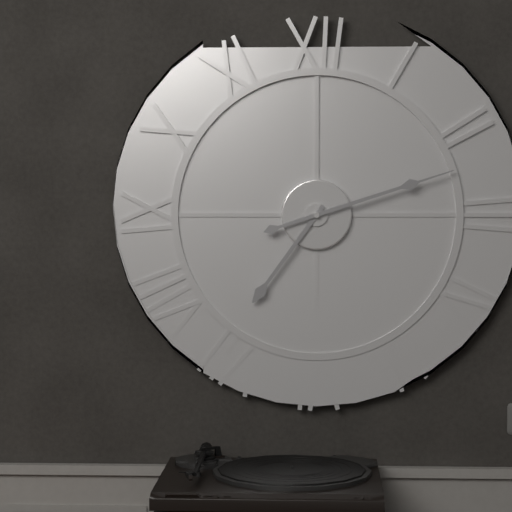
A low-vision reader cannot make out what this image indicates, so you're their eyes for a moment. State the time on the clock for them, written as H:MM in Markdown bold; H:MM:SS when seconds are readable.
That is **7:12**
